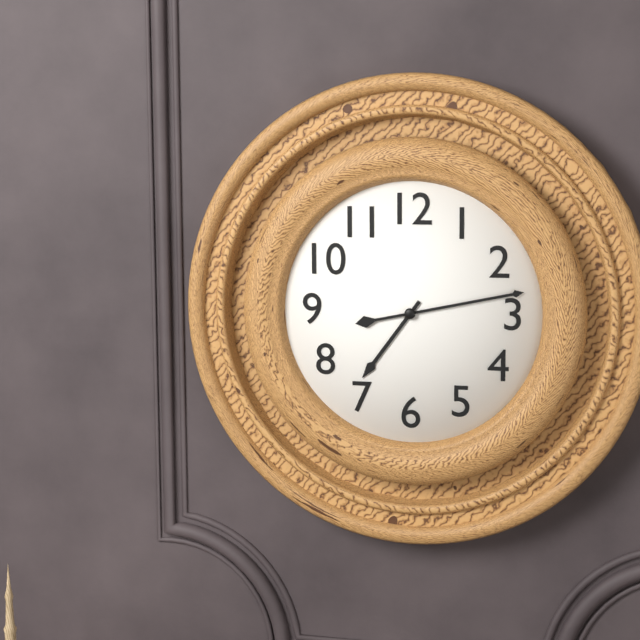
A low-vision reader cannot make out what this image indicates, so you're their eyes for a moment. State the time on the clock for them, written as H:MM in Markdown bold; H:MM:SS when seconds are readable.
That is **7:13**
